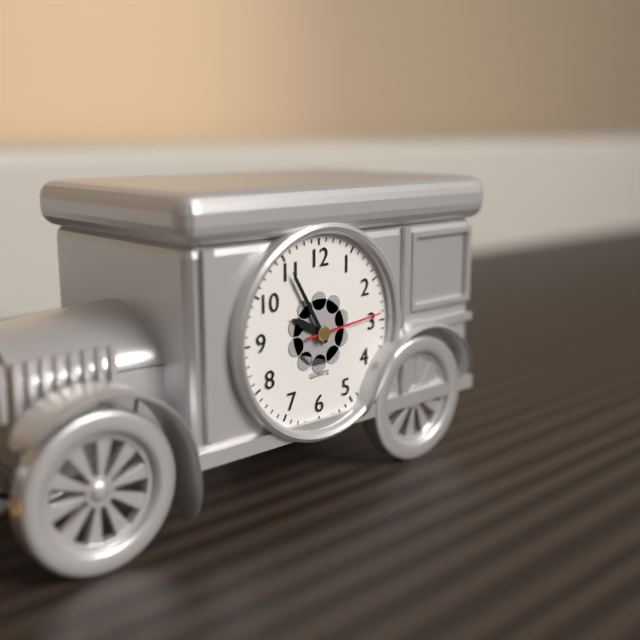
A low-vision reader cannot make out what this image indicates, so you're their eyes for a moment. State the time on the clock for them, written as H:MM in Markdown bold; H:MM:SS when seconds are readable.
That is **9:55:14**
